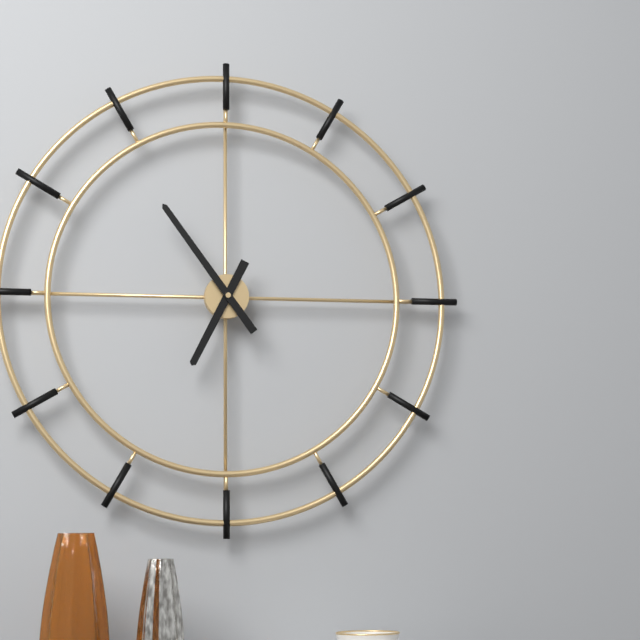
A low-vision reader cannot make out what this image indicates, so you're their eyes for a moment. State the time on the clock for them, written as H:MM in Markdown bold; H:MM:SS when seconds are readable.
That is **6:54**
